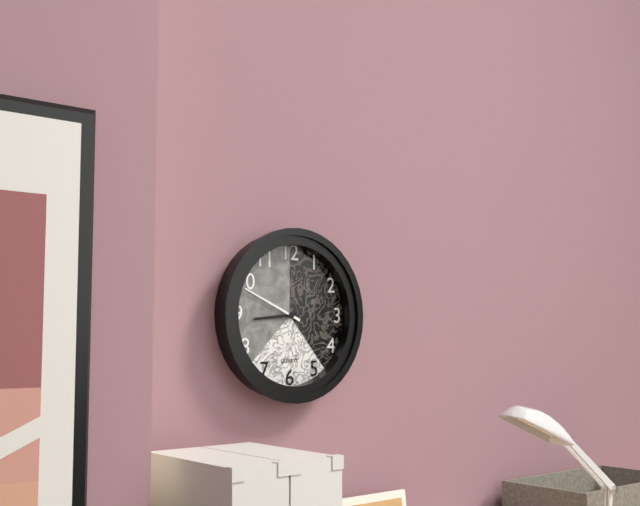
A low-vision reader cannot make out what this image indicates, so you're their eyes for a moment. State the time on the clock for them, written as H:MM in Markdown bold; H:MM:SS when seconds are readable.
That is **8:49**
